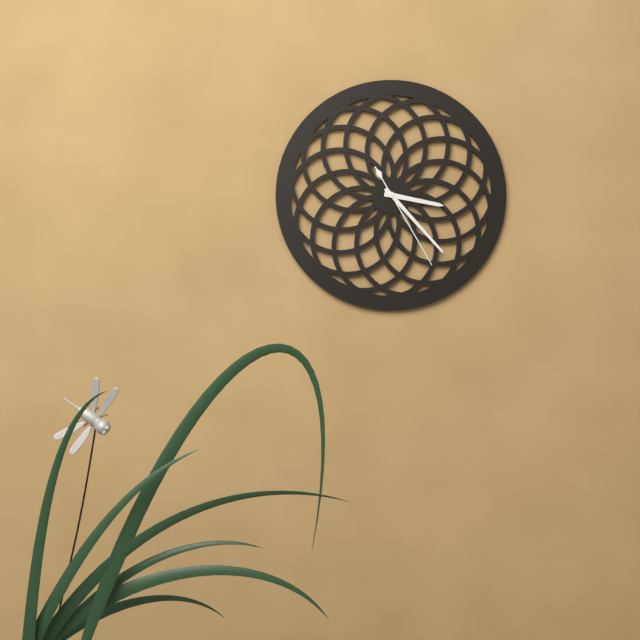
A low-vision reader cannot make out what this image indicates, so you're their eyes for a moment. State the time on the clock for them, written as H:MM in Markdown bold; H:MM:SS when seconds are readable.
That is **3:23:25**
